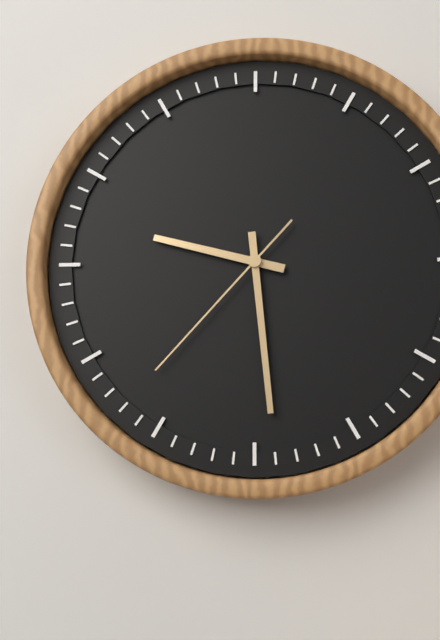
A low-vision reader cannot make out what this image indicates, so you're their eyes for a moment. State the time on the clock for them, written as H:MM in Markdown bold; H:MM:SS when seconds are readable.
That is **9:29:37**
